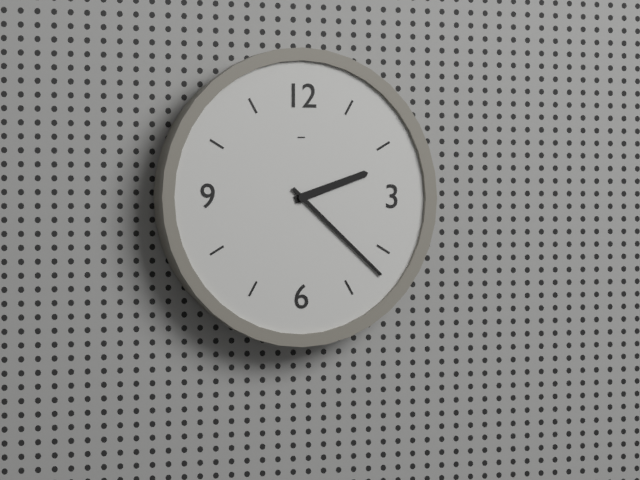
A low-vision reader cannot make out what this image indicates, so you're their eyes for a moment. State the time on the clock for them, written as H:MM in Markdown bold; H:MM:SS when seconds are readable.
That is **2:22**
